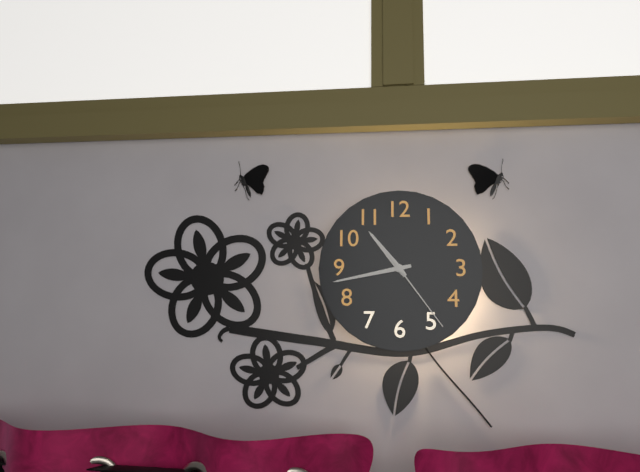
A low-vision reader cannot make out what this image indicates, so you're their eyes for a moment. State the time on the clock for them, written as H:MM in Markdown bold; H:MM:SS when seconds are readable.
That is **10:43:24**
